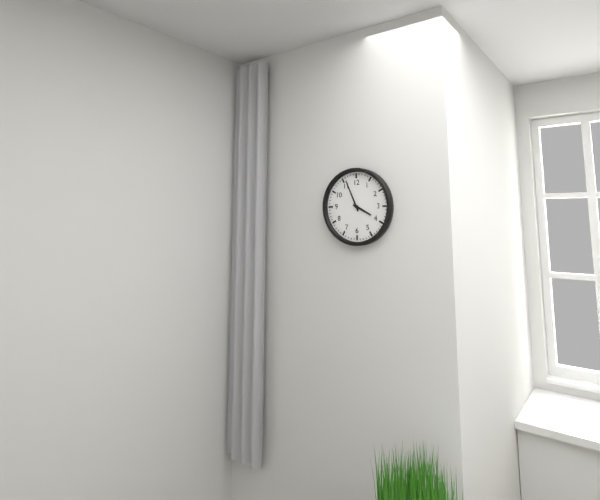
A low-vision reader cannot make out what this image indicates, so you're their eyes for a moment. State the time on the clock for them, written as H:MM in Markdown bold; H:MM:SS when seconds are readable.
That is **3:56**
